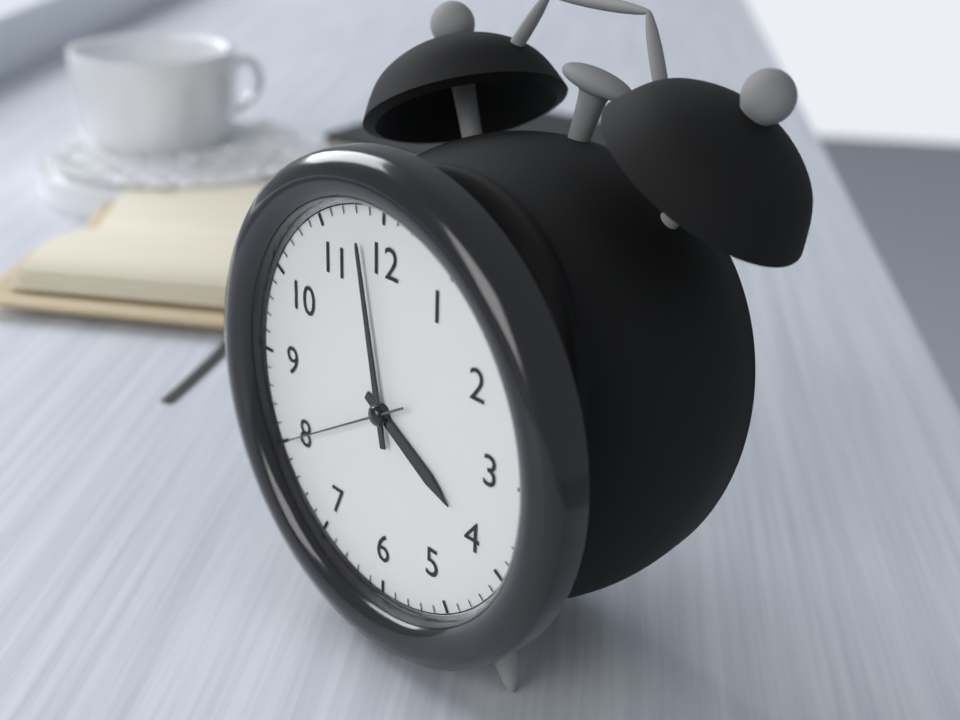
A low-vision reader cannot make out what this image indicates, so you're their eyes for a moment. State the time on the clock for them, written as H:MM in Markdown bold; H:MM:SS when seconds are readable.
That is **3:58:40**
